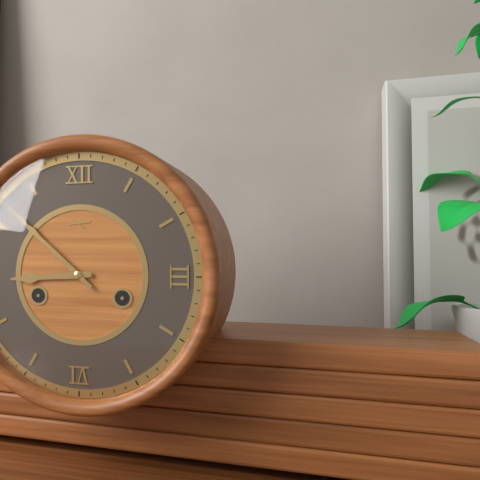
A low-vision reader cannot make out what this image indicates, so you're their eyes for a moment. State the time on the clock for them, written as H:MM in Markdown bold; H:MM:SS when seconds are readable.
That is **8:52**
